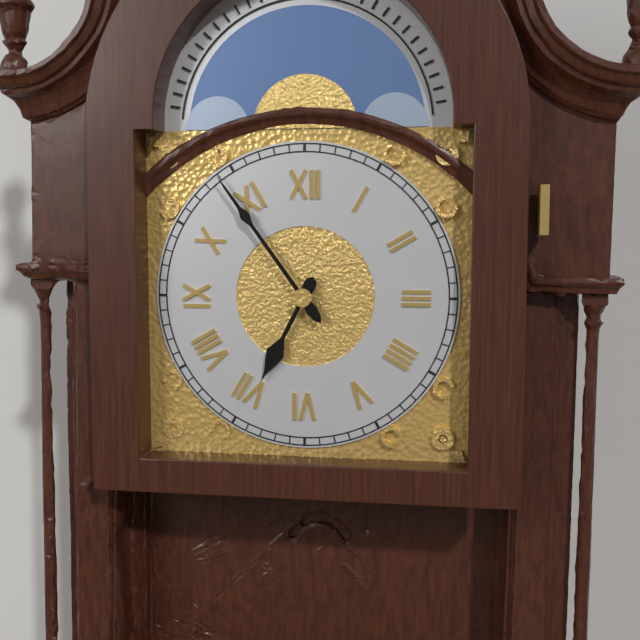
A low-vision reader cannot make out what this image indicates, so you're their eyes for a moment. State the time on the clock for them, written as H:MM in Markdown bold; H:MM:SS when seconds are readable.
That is **6:54**
